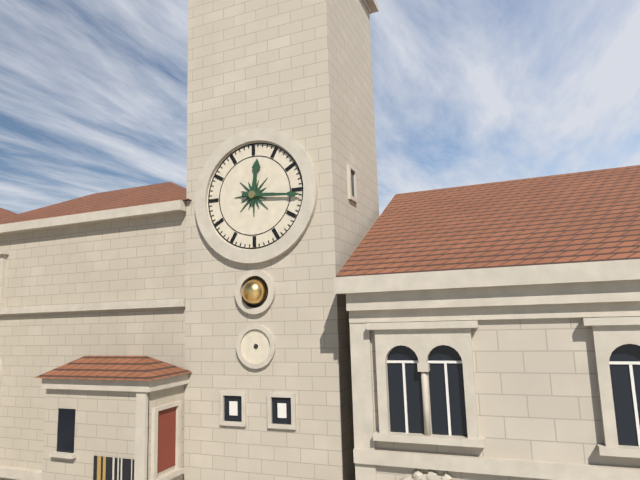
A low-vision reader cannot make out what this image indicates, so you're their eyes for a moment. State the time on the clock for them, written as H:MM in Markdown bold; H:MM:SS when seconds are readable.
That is **12:16**
